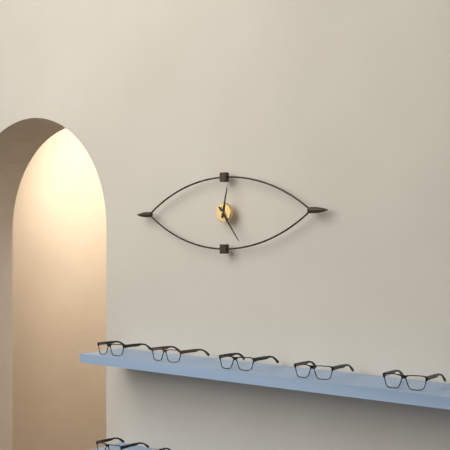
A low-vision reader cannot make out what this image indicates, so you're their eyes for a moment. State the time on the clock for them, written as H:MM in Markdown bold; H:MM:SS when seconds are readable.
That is **12:24**
